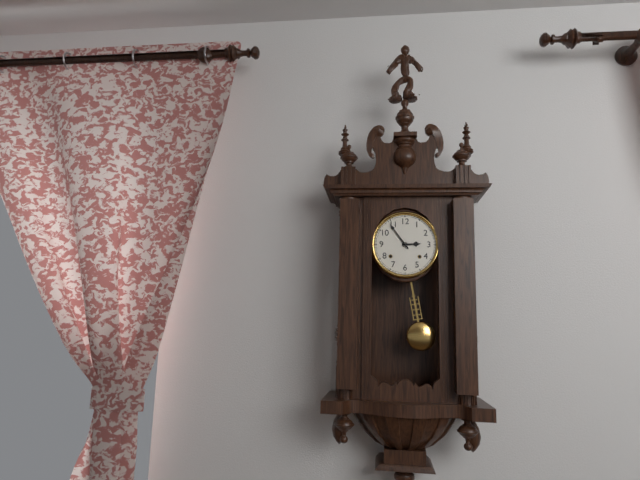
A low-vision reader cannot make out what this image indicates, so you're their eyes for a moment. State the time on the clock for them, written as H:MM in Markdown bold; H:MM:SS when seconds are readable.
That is **2:54**
